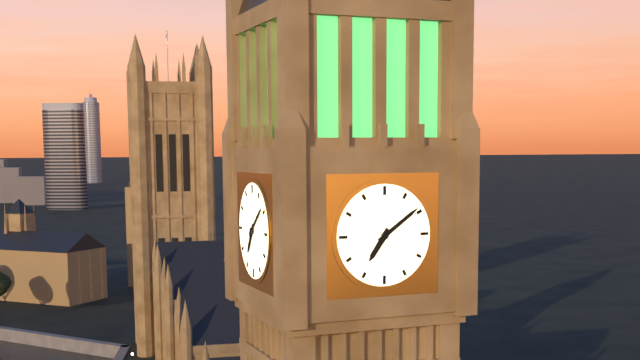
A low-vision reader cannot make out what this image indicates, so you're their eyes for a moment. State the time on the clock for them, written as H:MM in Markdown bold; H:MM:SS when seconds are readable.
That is **7:09**
